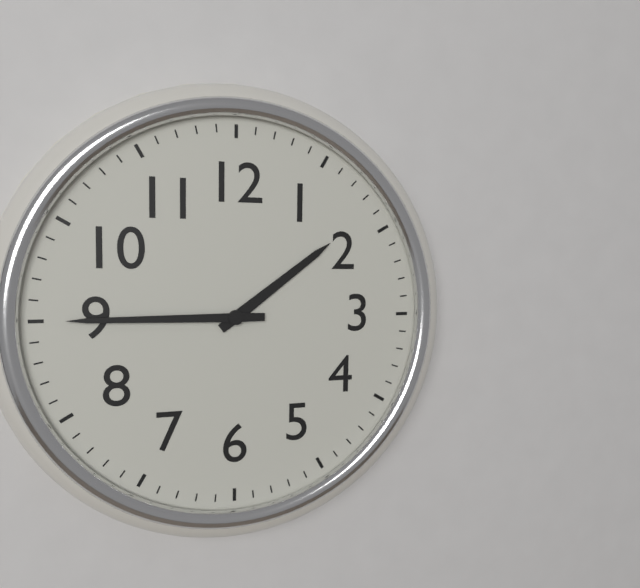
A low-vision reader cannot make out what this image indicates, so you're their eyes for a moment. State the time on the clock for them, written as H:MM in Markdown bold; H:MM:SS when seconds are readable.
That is **1:45**
